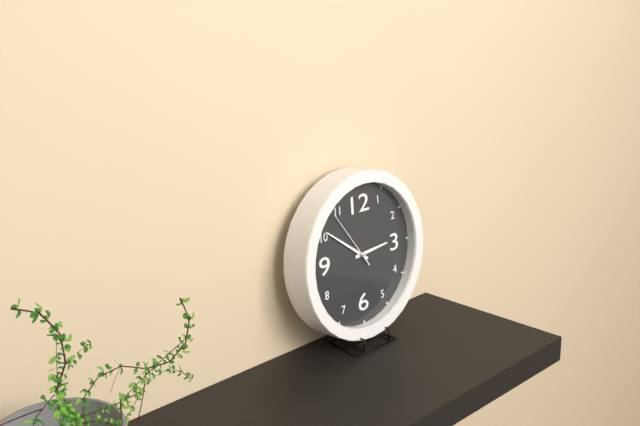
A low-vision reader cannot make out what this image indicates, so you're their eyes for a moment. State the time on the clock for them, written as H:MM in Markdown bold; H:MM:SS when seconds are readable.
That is **2:51:54**
